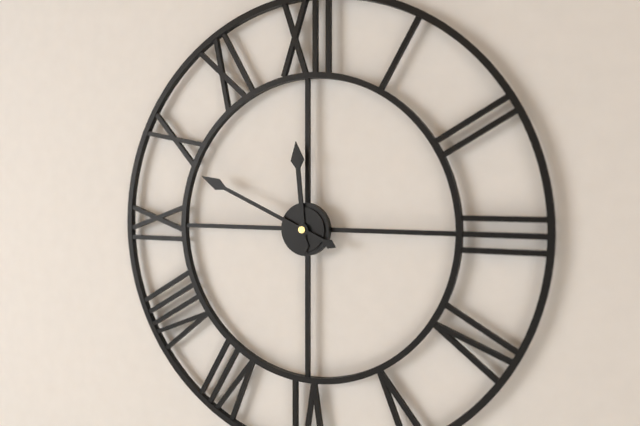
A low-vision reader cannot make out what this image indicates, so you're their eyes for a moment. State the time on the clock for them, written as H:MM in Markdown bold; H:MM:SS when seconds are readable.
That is **11:49**
